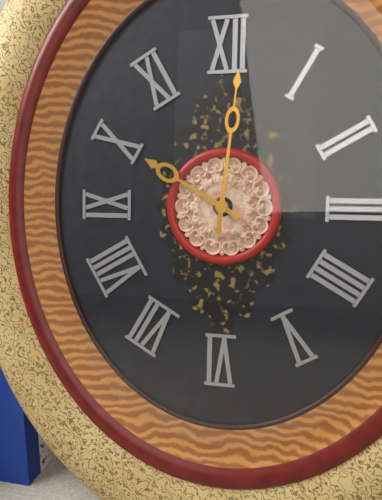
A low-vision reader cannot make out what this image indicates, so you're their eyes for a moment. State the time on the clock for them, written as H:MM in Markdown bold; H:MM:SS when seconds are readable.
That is **10:01**
